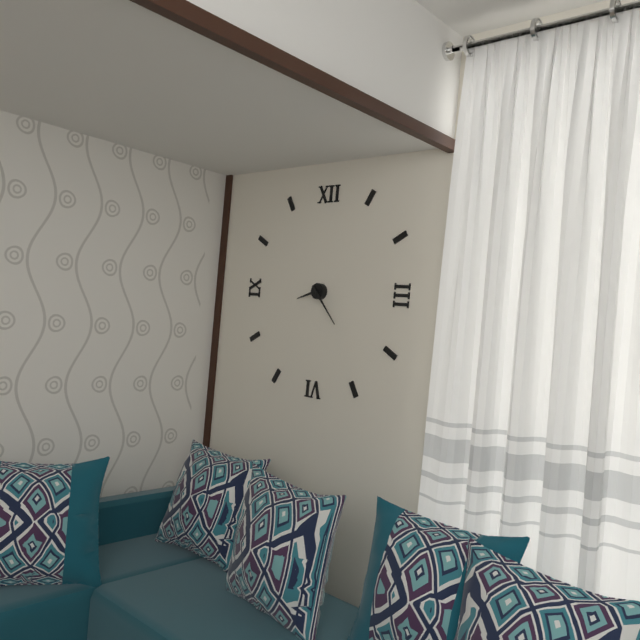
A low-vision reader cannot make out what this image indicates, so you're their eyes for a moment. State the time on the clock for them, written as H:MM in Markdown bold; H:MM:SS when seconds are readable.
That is **8:23**
